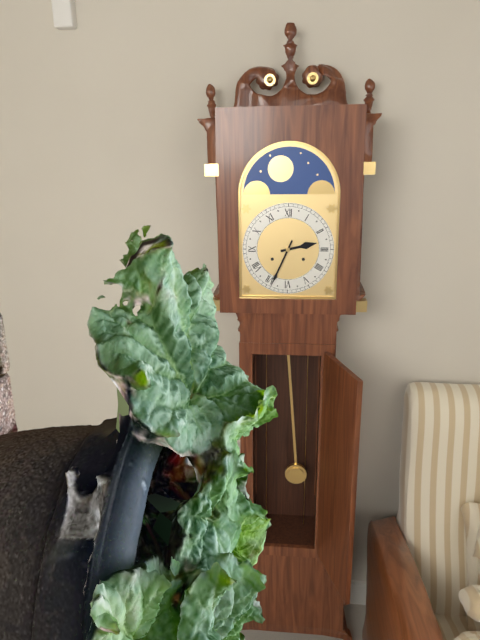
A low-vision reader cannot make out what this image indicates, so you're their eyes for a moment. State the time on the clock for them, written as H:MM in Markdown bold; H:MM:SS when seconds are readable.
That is **2:34**
